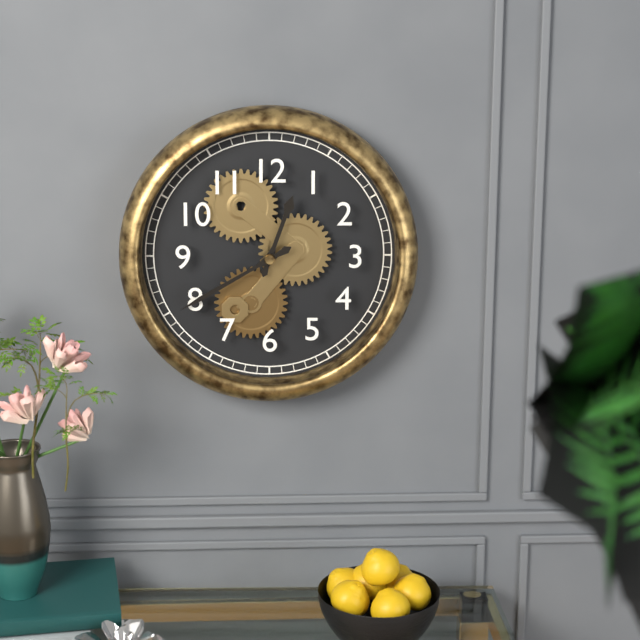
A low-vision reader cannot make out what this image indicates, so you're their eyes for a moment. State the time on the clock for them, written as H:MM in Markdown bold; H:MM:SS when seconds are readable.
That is **12:40**
